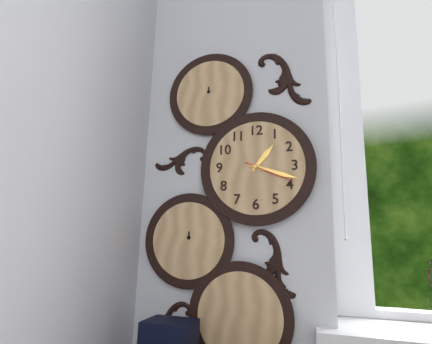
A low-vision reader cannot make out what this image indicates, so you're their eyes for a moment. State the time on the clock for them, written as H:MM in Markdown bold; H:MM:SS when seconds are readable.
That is **1:18:19**
